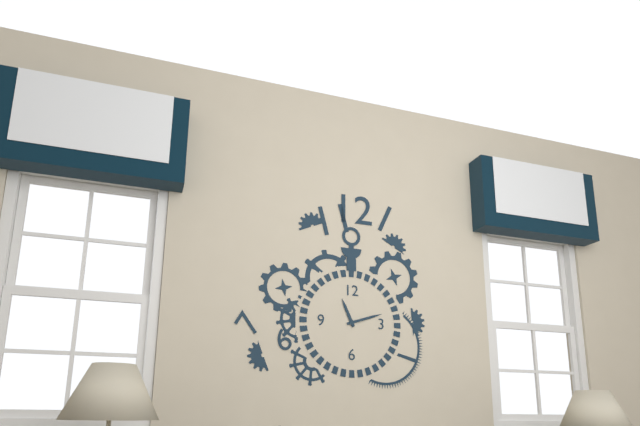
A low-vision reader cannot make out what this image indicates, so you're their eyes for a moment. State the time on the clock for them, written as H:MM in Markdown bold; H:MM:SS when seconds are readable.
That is **11:12**
